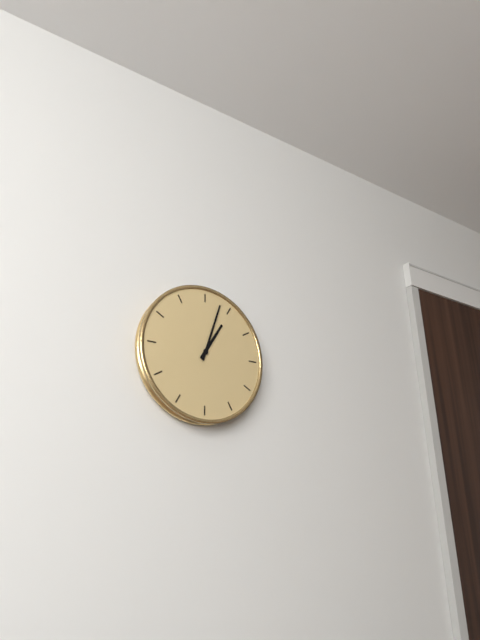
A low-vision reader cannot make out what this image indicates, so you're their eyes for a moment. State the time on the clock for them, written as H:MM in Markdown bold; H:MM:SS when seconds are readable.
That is **1:03**
